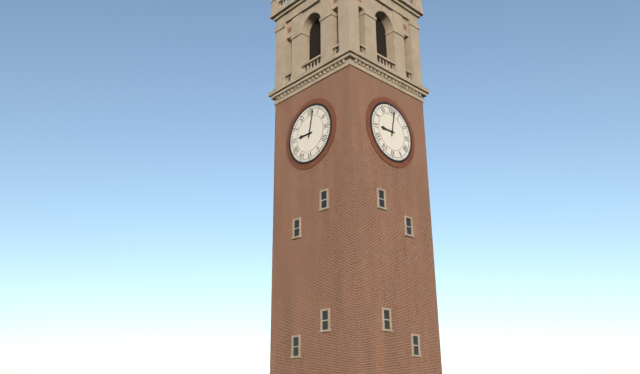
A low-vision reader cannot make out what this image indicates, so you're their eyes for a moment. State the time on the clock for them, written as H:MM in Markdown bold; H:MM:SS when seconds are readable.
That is **9:02**
